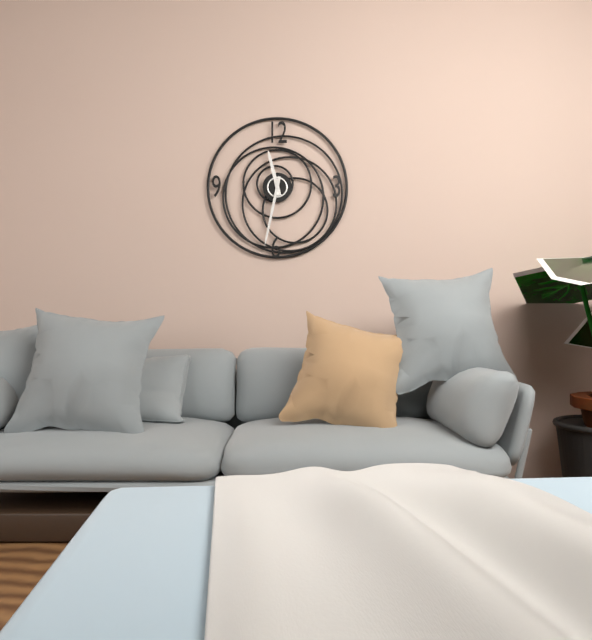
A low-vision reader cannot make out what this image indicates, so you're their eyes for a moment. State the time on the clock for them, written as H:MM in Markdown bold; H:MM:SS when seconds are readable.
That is **11:32**
